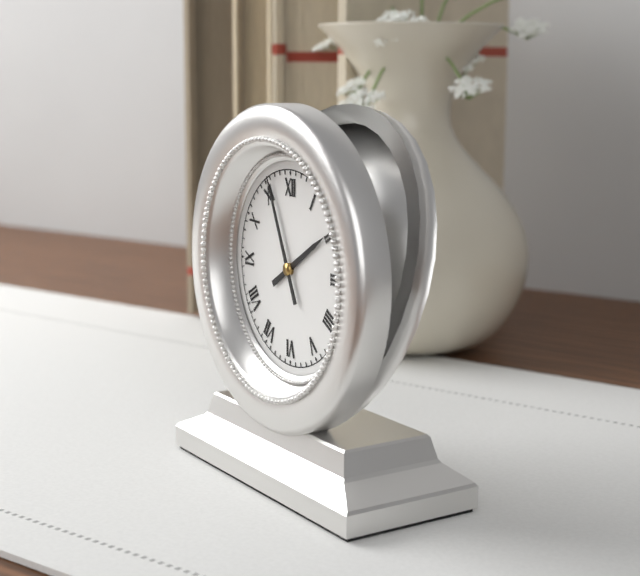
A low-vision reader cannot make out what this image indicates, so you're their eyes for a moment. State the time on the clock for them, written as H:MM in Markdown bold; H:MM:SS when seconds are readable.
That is **1:56**
